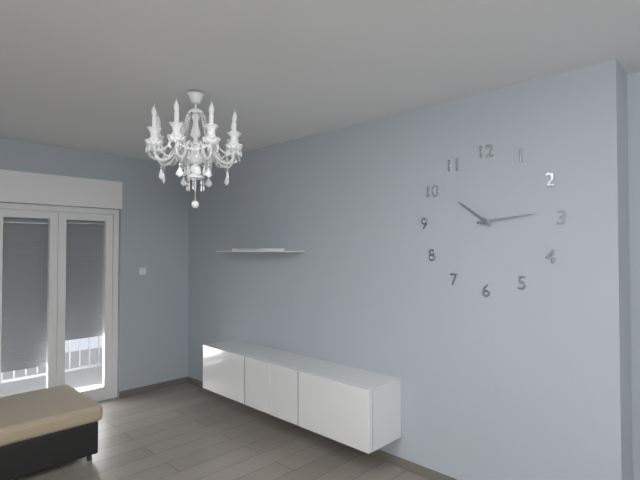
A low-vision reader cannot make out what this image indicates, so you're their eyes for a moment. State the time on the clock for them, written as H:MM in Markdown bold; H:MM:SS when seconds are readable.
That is **10:14**
